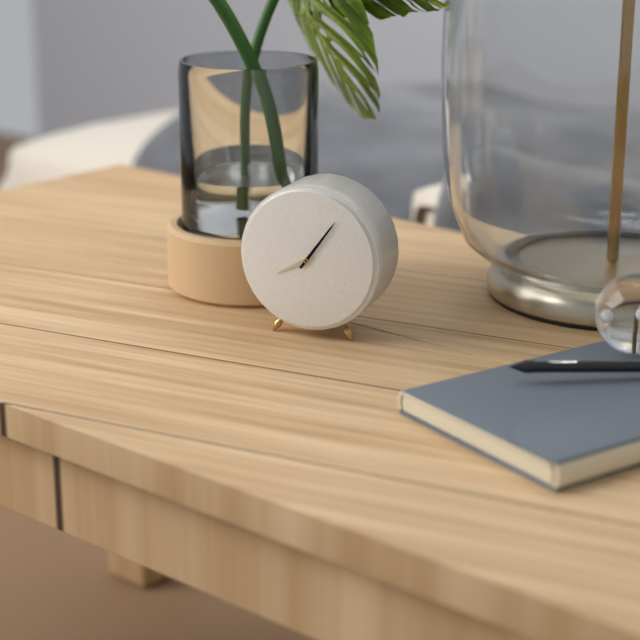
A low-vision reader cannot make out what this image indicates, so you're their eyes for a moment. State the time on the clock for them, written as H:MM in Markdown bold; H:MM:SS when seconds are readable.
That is **8:06**
